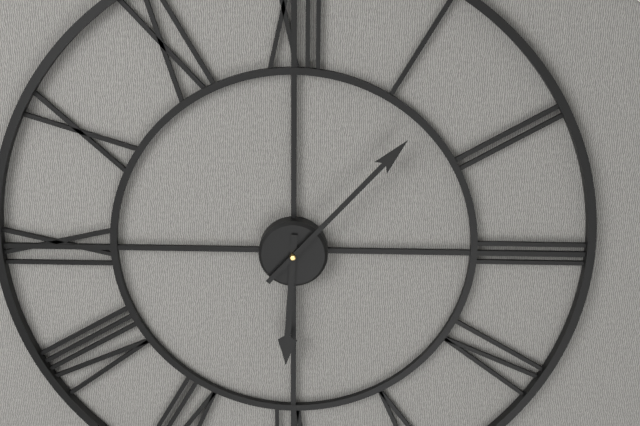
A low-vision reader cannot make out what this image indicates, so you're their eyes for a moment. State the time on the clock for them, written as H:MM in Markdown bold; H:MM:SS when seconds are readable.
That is **6:07**
